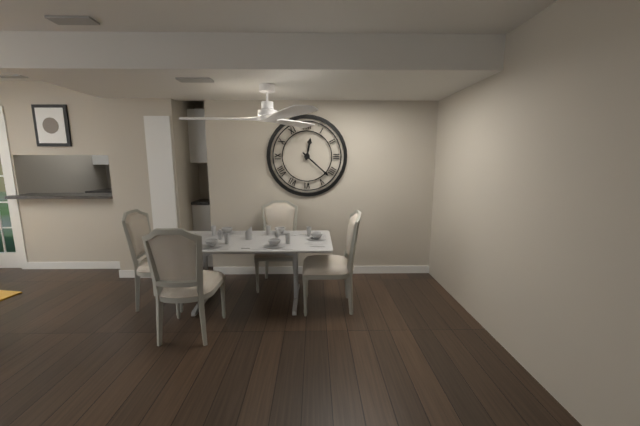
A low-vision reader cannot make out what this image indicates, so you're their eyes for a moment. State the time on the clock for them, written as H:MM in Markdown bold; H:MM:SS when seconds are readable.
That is **12:22**
